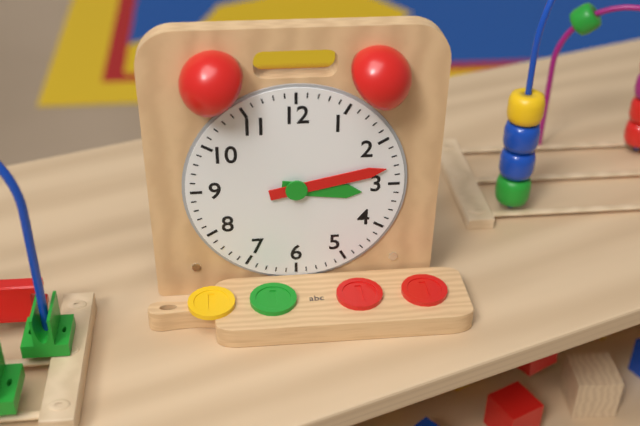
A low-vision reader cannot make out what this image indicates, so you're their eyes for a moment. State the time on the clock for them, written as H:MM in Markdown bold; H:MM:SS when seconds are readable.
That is **3:13**
